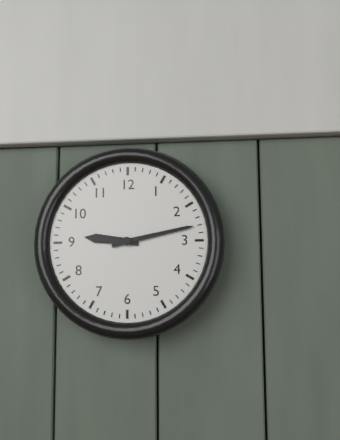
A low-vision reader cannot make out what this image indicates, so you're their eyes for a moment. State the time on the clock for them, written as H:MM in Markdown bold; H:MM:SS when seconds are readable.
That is **9:13**
